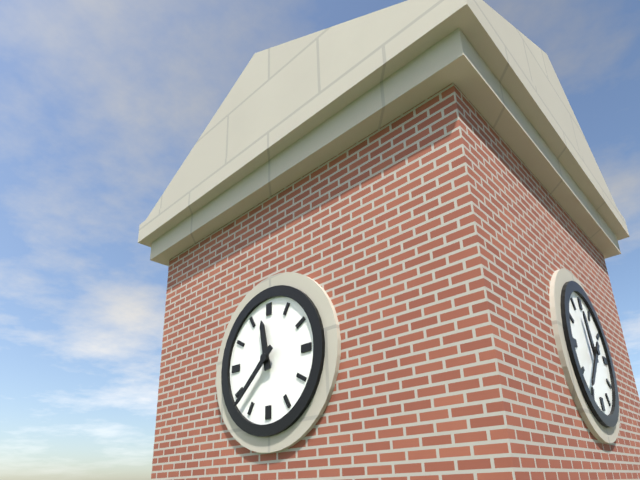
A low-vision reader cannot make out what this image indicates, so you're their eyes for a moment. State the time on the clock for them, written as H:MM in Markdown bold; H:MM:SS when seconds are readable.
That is **11:38**
